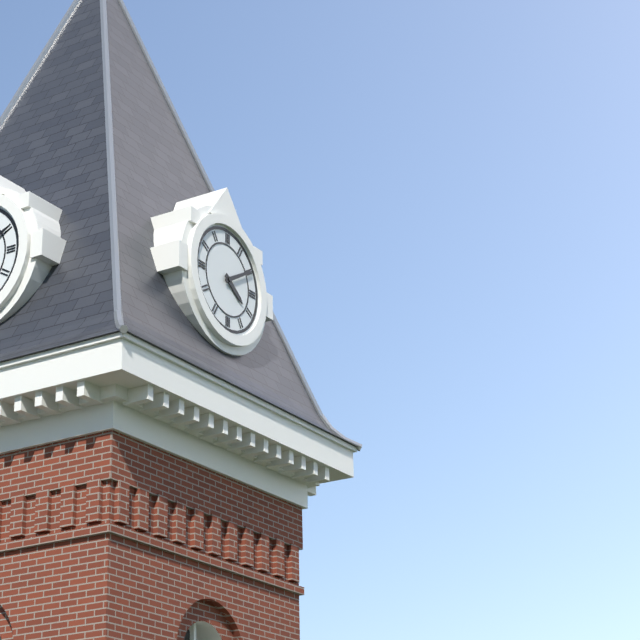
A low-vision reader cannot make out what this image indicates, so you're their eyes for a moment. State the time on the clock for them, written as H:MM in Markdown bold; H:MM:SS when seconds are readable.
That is **4:10**
